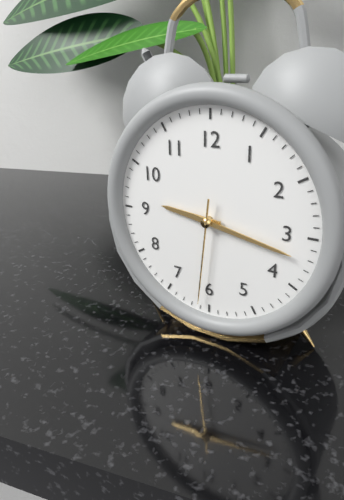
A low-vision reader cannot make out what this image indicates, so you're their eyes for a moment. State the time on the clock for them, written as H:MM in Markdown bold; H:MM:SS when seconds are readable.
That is **9:17:31**
